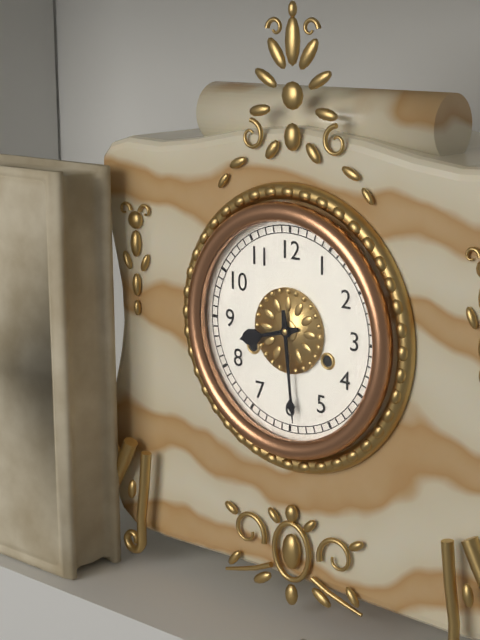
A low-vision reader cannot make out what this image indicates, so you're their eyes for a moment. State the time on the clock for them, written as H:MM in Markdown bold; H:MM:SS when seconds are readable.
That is **8:29**
